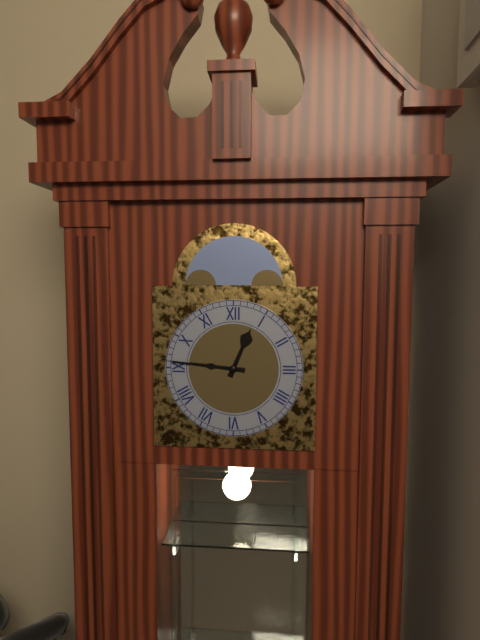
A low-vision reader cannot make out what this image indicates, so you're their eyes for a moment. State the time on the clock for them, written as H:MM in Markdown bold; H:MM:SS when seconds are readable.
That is **12:46**
